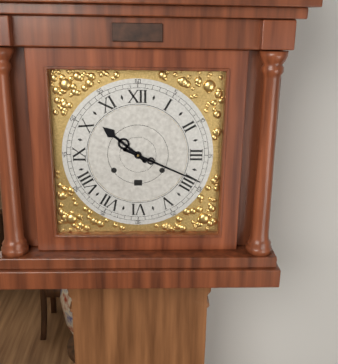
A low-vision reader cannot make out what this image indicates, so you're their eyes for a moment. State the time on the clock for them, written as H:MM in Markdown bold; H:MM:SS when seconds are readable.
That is **10:19**
